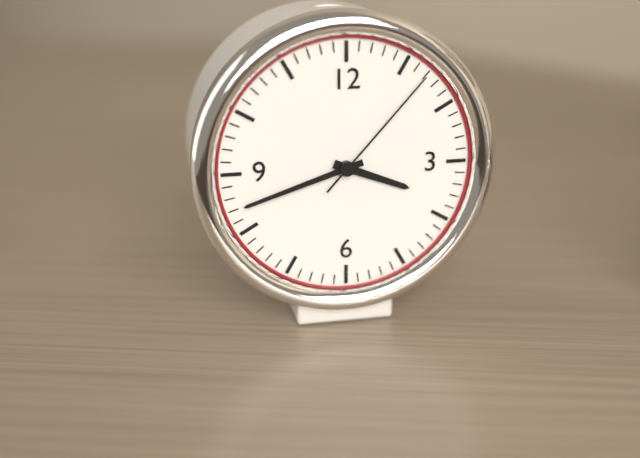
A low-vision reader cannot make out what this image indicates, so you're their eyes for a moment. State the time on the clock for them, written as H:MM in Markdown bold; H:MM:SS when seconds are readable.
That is **3:42:07**
